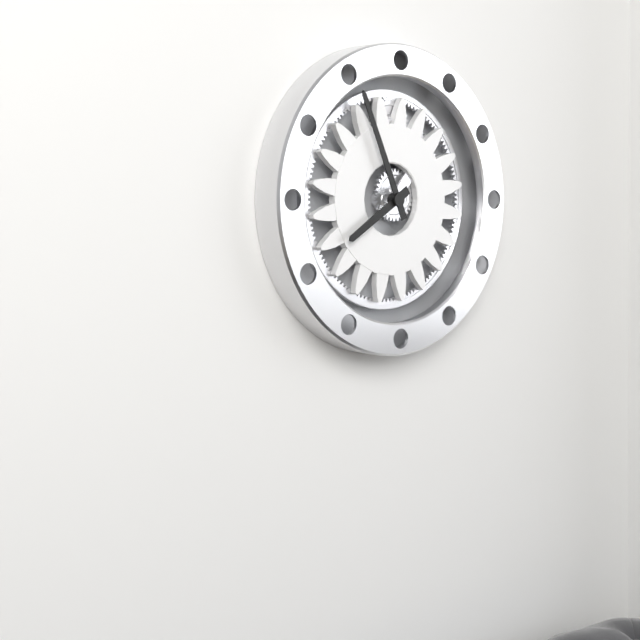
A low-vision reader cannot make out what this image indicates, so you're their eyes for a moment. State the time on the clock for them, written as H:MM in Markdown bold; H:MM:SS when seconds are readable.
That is **7:56**
